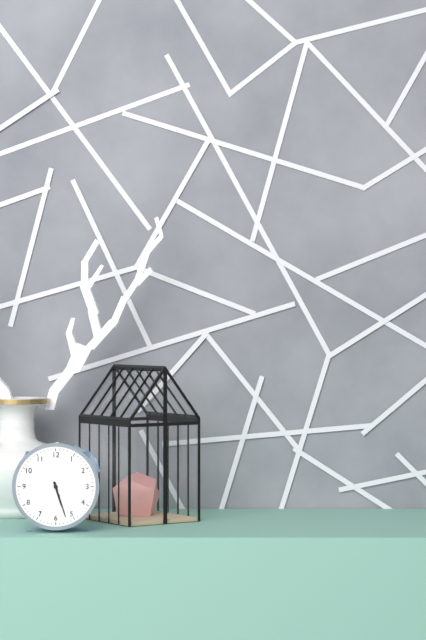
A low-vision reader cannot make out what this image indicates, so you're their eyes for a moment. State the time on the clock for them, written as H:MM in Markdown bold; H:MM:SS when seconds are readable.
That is **5:27**
